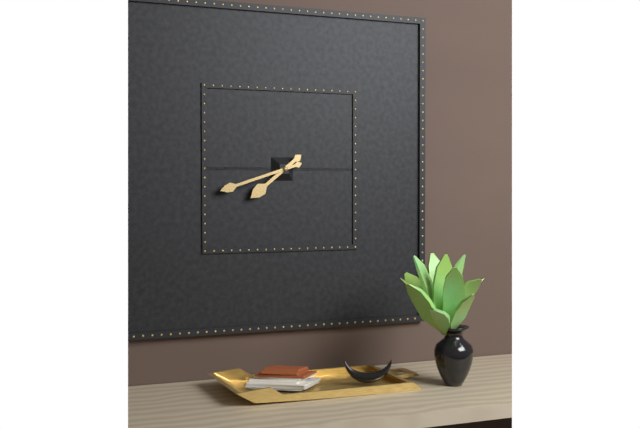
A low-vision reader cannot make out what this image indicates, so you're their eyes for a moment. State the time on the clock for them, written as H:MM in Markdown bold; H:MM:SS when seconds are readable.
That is **7:42**
